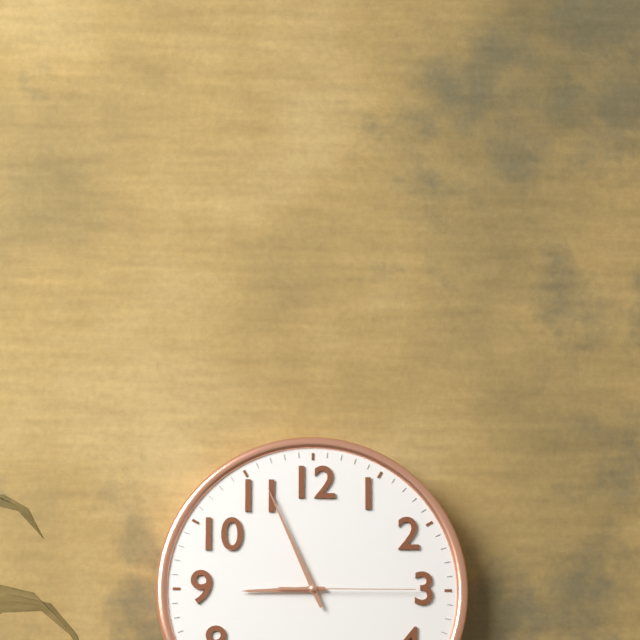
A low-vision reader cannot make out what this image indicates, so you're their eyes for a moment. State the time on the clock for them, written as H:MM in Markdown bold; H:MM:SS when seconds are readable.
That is **8:56:15**
